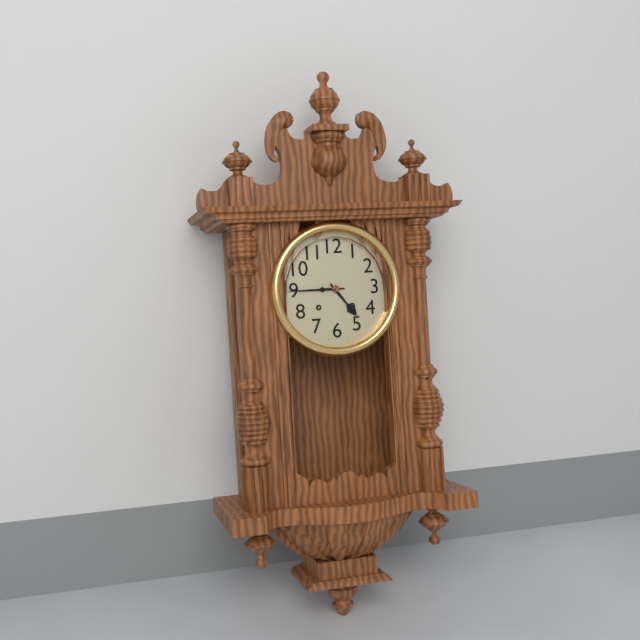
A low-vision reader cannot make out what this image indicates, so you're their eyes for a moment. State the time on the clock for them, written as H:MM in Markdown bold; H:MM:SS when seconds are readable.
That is **4:45**
